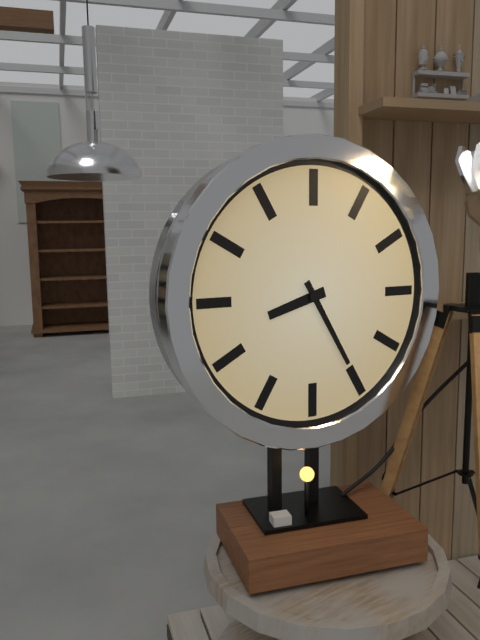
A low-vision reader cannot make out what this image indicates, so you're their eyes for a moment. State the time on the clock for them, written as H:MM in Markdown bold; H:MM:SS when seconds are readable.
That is **8:25**
